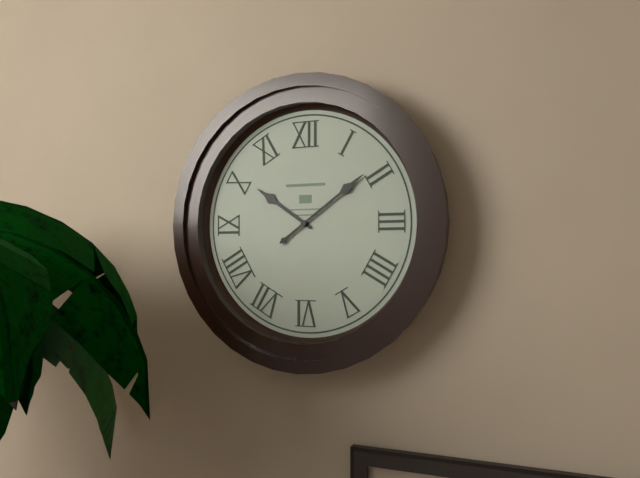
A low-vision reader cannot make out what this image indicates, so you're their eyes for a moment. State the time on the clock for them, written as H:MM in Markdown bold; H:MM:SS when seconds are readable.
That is **10:09**
